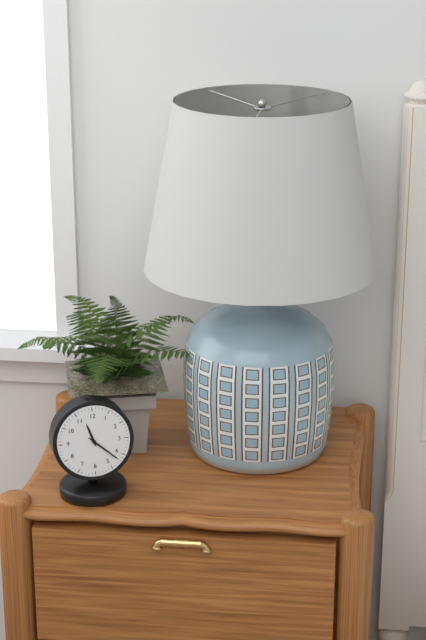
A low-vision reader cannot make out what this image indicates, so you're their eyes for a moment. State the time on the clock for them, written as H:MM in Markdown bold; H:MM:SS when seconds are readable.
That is **11:22**
